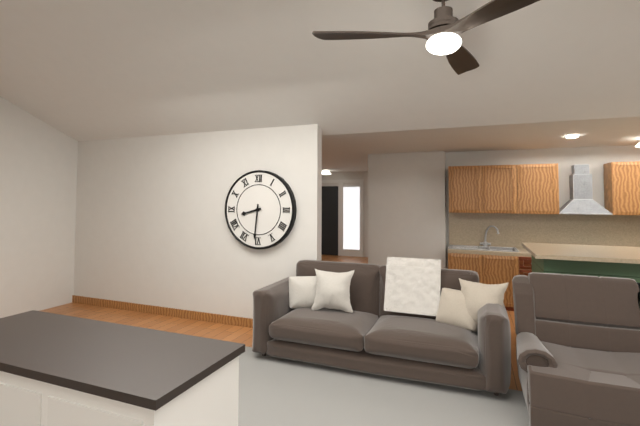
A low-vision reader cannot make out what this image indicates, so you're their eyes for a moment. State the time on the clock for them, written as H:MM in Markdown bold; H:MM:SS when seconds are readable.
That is **8:31**
